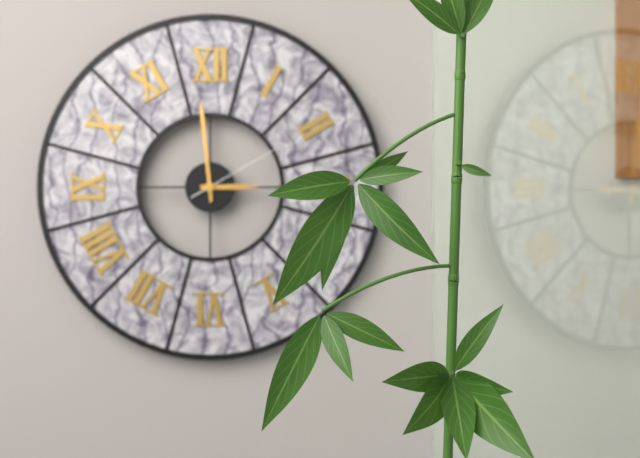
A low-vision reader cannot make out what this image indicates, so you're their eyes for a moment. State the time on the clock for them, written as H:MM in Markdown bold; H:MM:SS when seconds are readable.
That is **2:59:10**
